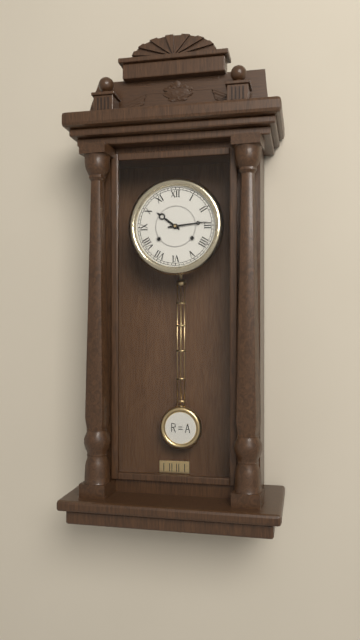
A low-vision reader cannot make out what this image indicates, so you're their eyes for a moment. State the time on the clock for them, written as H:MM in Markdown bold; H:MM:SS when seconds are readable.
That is **10:14**
